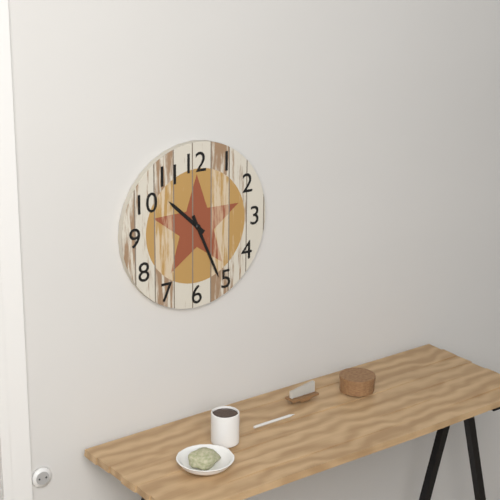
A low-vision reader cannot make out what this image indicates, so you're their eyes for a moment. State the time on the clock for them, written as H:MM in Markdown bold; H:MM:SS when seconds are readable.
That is **10:26**
